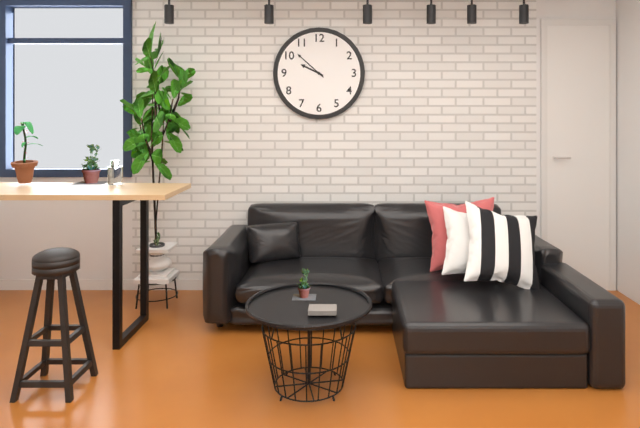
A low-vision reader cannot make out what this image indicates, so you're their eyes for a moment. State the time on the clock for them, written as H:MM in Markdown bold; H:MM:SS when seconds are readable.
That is **9:52**
